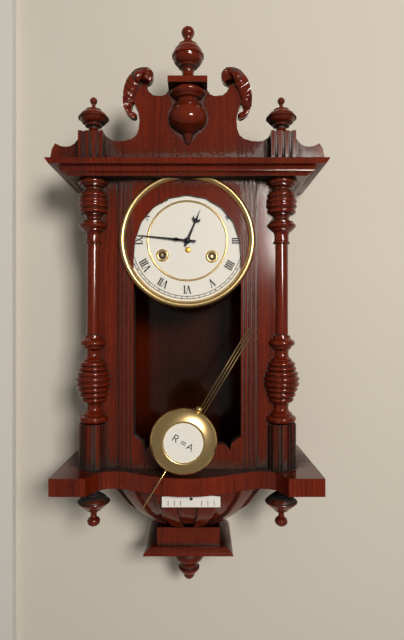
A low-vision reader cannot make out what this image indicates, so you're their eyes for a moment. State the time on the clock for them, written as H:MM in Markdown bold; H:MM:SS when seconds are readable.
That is **12:46**
